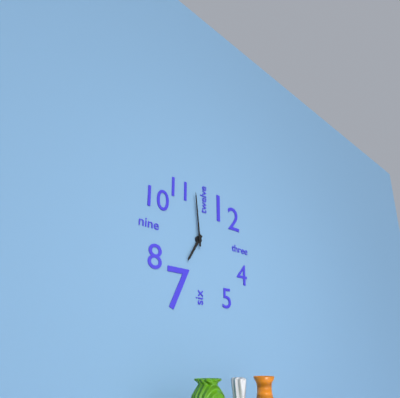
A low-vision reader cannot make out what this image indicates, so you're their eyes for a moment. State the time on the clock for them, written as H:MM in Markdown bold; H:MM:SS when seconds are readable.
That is **6:59**
